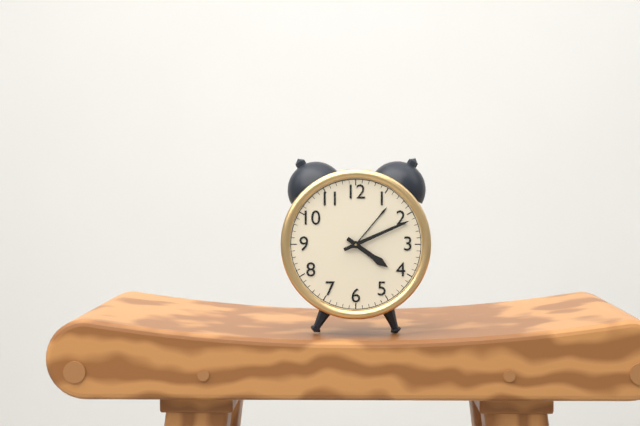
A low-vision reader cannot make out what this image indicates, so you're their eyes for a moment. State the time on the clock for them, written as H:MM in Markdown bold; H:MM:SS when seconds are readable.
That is **4:11**
